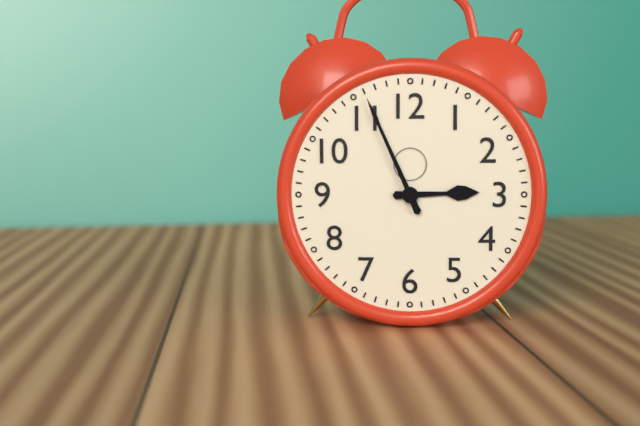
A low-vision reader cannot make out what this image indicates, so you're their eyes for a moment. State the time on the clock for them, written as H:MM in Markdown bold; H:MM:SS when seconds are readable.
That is **2:56**
